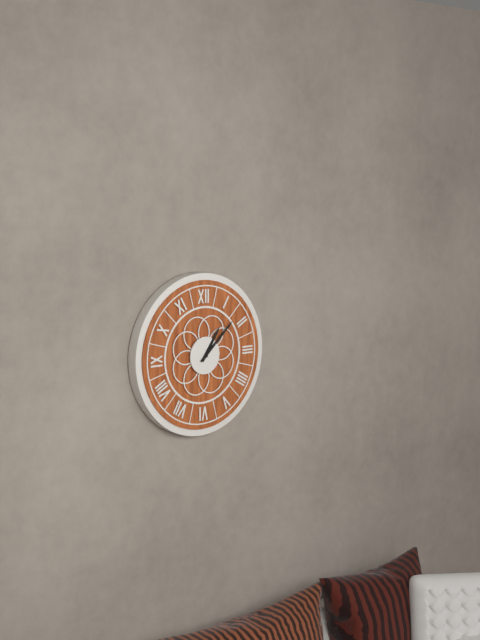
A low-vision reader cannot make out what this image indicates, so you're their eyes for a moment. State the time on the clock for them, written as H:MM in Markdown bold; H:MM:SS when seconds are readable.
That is **1:08**
